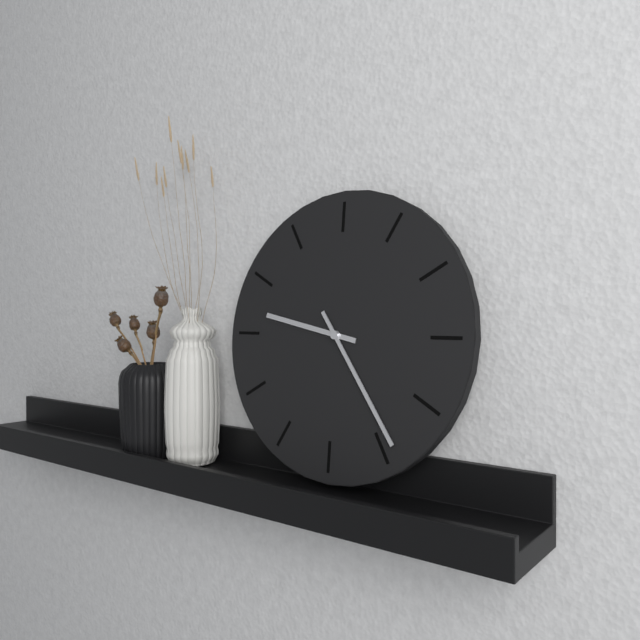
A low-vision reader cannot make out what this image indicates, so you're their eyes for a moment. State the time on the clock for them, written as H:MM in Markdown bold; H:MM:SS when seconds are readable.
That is **9:24**
